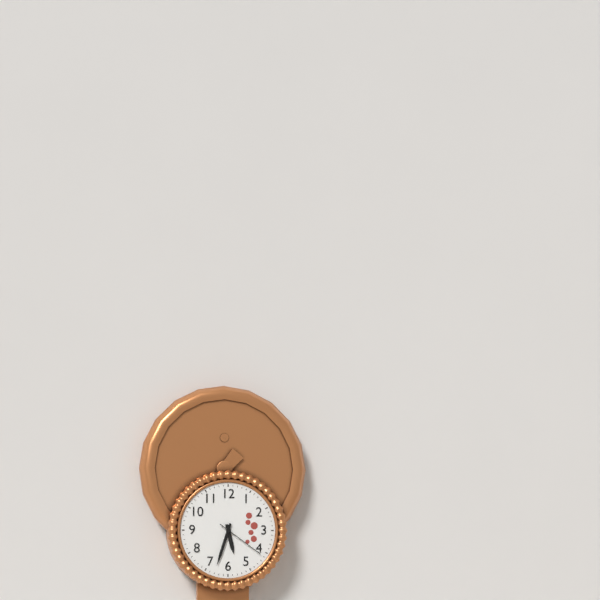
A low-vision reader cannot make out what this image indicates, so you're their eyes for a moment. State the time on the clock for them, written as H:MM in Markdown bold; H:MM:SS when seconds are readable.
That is **5:33:21**
